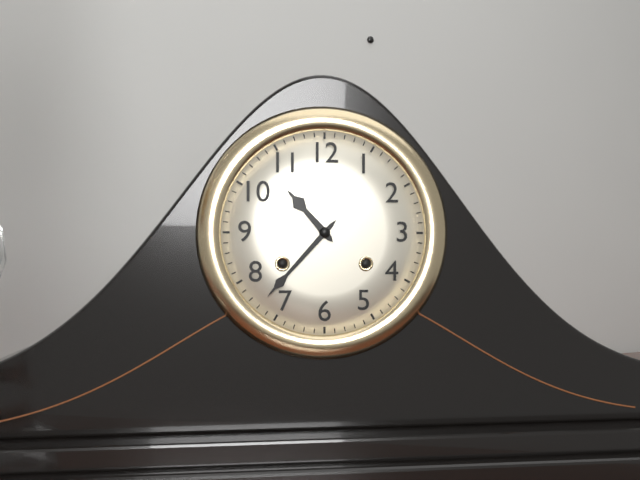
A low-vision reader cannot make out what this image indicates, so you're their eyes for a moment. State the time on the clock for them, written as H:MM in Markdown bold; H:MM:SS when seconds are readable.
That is **10:37**
